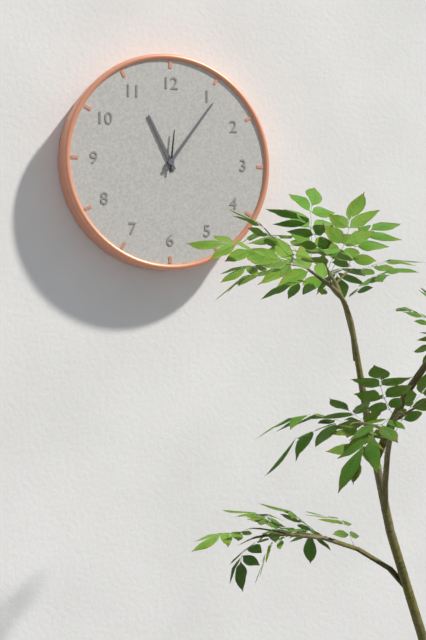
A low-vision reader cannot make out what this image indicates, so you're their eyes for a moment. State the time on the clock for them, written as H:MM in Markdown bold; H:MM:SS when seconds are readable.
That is **11:06**
